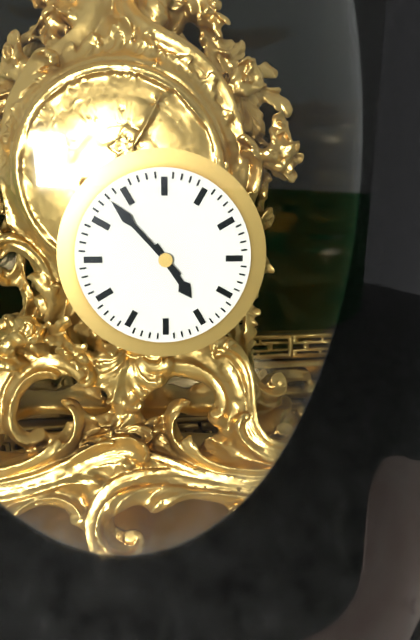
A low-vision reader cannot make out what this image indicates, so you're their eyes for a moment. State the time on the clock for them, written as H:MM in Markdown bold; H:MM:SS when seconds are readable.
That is **4:53**
